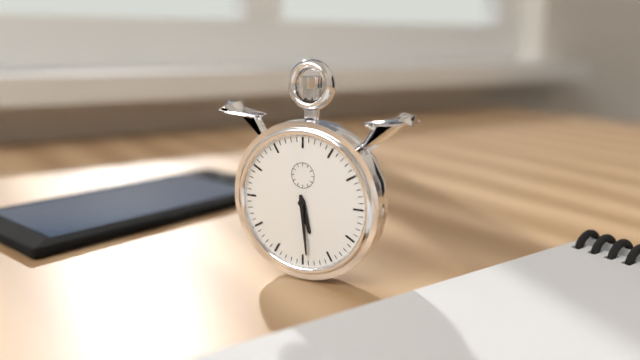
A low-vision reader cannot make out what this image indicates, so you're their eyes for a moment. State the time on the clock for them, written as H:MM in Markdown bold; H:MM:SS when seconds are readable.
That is **5:29**
